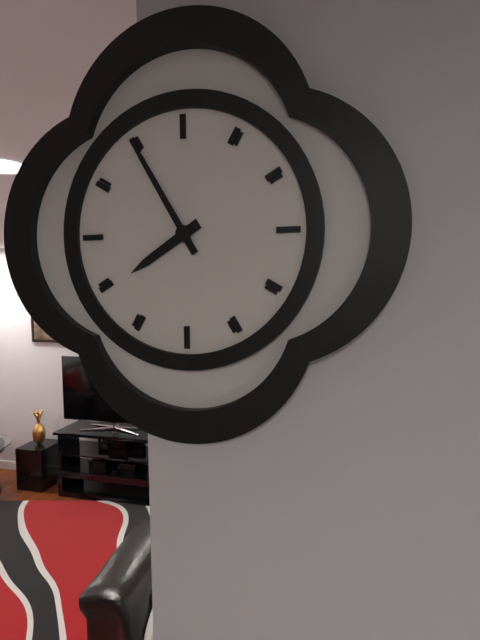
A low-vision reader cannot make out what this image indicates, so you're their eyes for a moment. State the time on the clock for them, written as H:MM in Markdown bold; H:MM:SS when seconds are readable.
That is **7:55**
